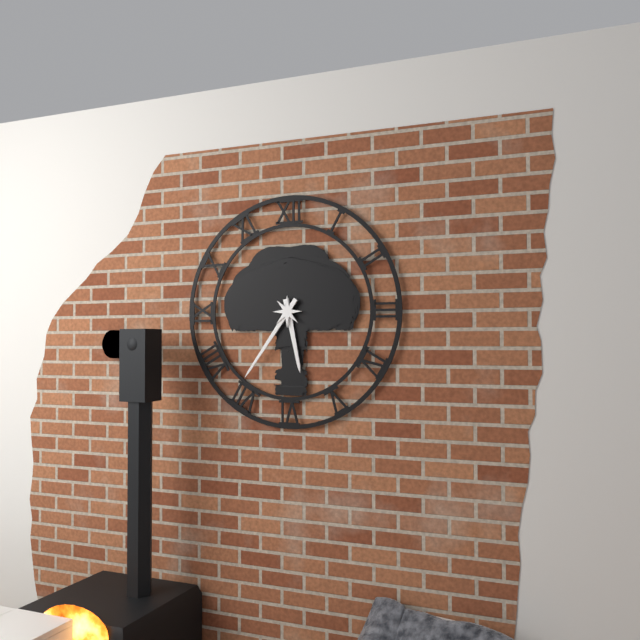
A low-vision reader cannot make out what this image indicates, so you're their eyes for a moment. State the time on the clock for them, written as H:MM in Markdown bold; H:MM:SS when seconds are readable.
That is **5:36**
